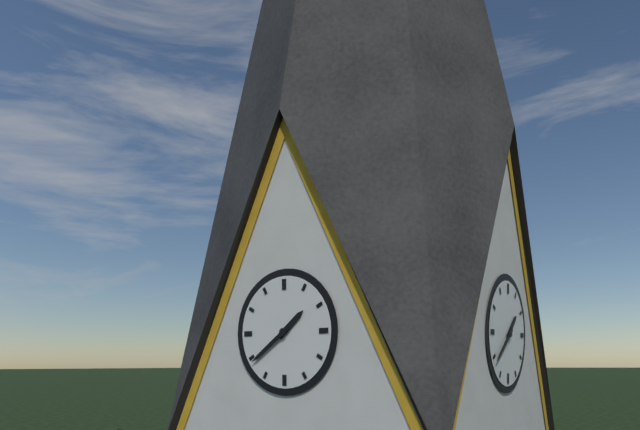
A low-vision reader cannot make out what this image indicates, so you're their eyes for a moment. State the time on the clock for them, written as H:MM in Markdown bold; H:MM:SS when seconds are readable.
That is **1:39**
